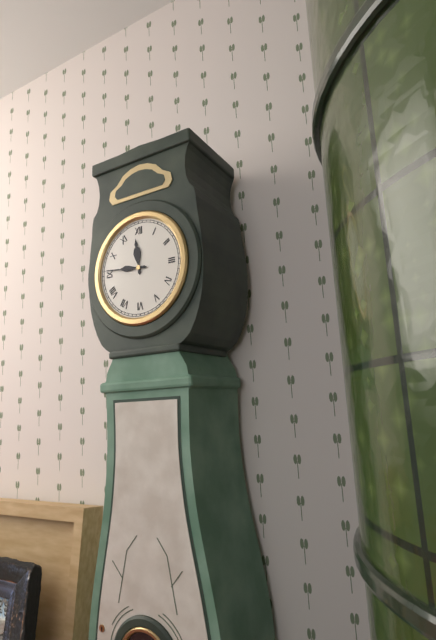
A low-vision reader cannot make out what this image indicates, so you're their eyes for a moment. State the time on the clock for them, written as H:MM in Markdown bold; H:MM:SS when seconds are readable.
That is **11:46**
